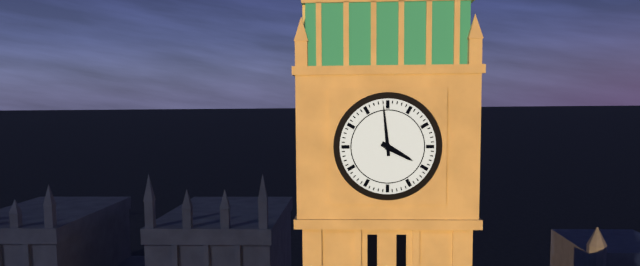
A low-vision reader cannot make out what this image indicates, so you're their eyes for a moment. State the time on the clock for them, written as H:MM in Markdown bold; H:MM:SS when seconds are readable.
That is **3:59**
